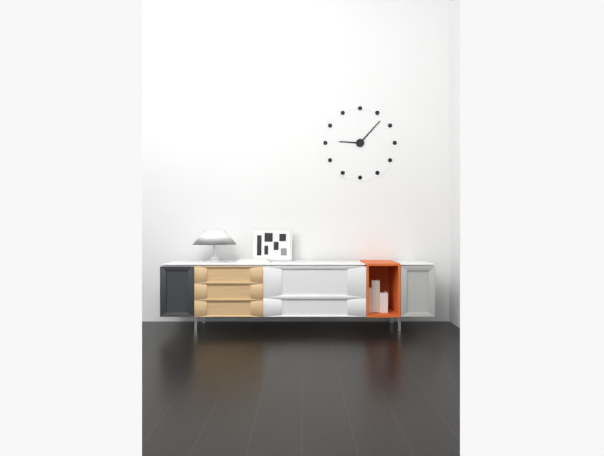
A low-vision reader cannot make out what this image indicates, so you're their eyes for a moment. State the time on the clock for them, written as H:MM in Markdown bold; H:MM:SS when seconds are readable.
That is **9:07**
